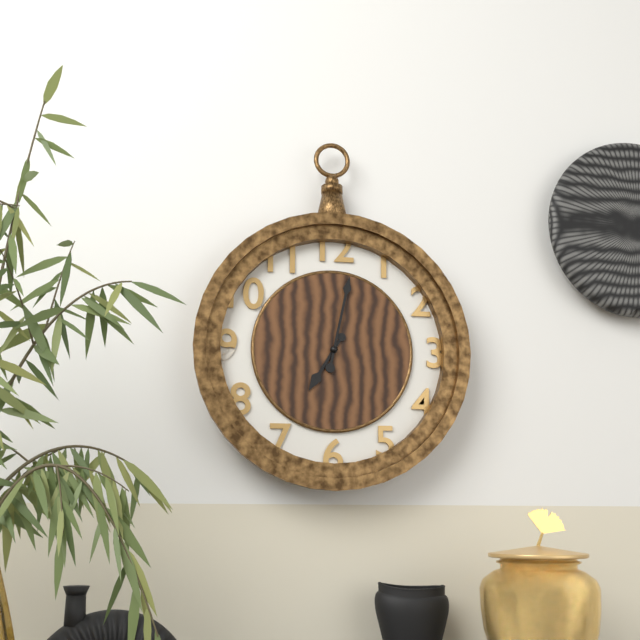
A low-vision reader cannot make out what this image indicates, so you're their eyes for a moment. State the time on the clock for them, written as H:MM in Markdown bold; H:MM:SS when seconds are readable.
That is **7:02**
